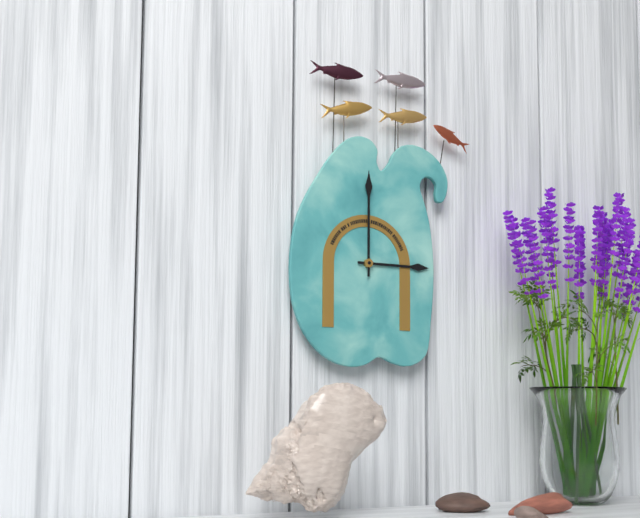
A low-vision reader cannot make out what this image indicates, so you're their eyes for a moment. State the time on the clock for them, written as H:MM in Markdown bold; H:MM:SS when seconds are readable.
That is **3:00**
